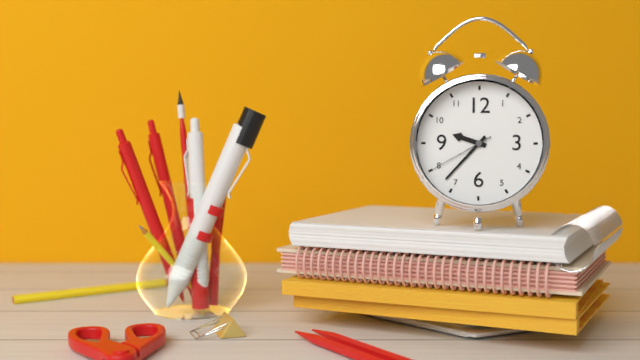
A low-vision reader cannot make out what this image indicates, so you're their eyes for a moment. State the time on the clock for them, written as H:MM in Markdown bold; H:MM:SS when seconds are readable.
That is **9:37:40**
